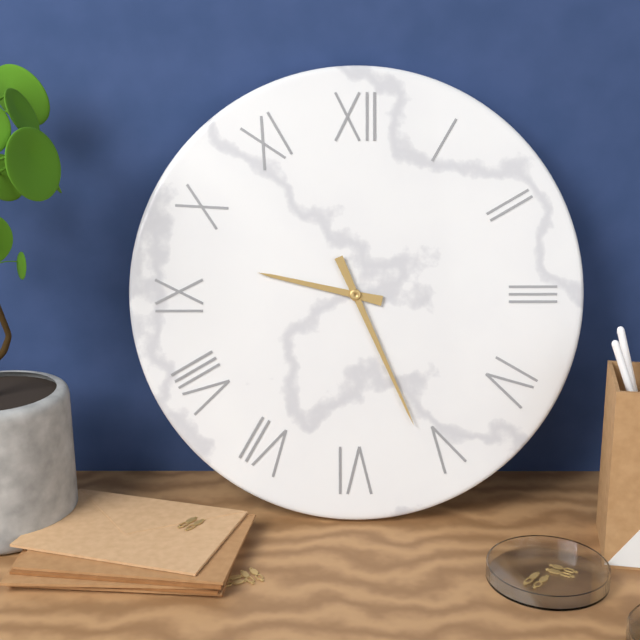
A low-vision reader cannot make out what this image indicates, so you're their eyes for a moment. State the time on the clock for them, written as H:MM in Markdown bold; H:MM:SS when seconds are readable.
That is **9:26**
